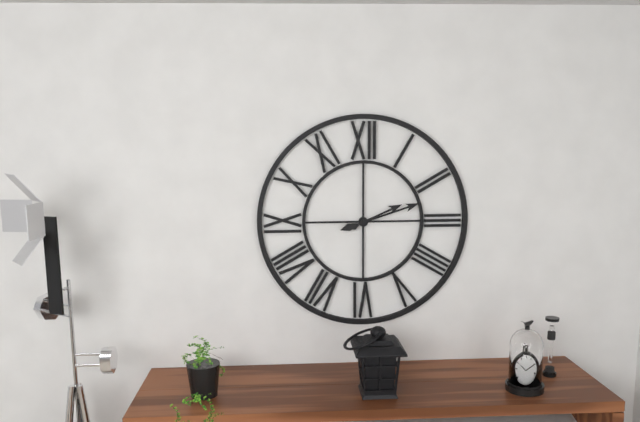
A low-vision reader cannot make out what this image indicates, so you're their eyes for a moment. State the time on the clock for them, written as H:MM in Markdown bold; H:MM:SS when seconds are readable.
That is **2:12**
